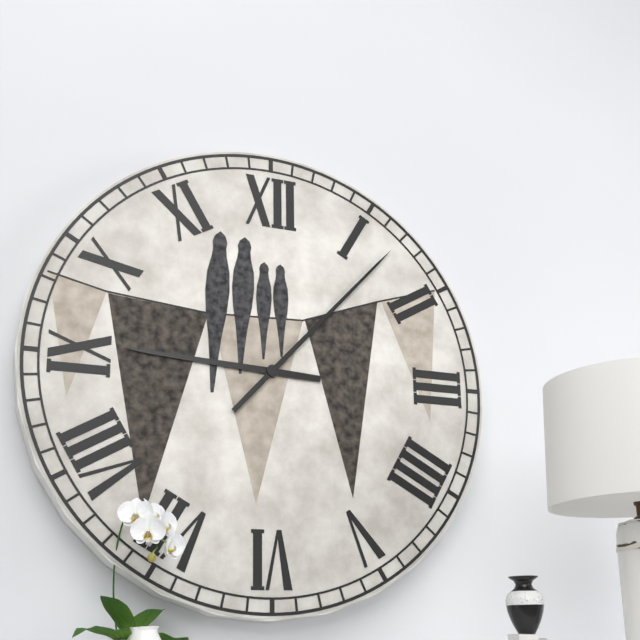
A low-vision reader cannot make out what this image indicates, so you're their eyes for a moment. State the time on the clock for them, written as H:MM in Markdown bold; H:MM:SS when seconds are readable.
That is **9:07**
